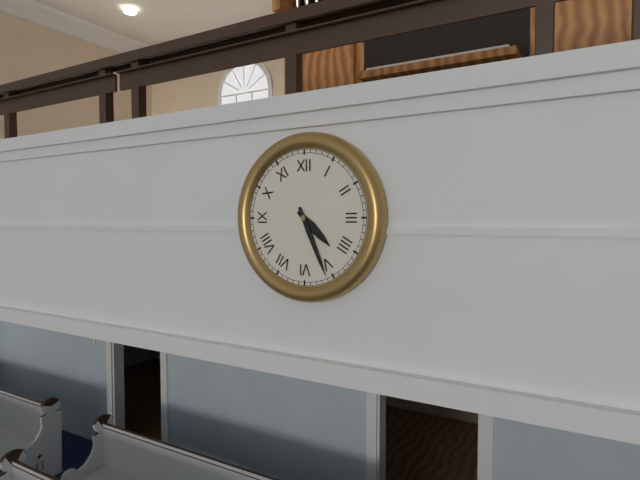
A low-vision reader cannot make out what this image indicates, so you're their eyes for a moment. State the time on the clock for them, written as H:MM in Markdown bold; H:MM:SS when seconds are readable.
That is **4:26**
